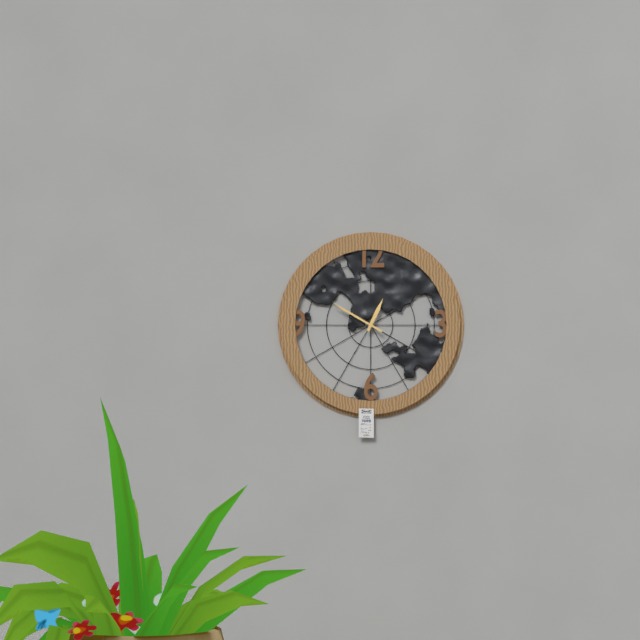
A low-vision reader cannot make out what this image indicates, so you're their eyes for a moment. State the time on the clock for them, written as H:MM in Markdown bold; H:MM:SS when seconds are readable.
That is **12:50**
